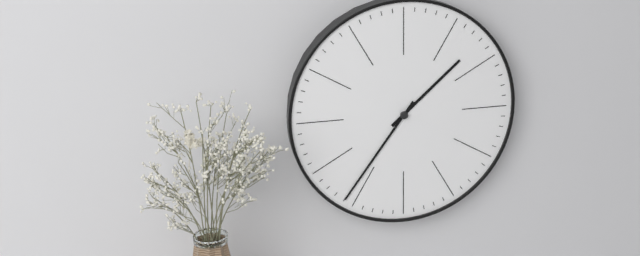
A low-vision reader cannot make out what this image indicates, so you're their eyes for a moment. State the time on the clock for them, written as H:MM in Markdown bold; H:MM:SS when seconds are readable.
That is **1:36**
